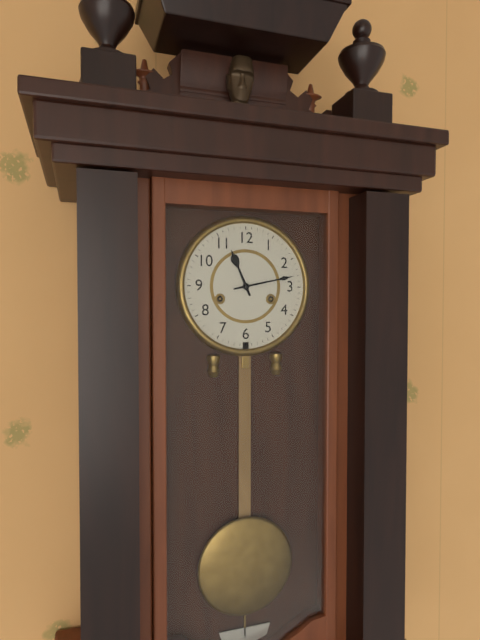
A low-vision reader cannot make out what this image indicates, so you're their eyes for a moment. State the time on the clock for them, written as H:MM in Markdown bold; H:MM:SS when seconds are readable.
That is **11:13**
